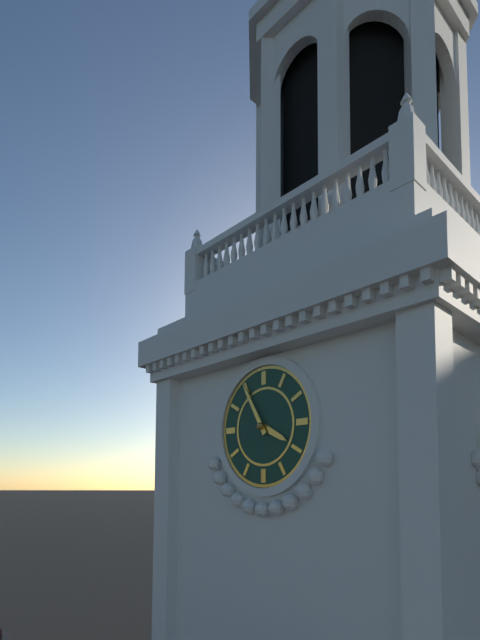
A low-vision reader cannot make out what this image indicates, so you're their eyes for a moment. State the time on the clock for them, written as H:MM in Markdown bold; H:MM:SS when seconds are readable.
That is **3:55**
